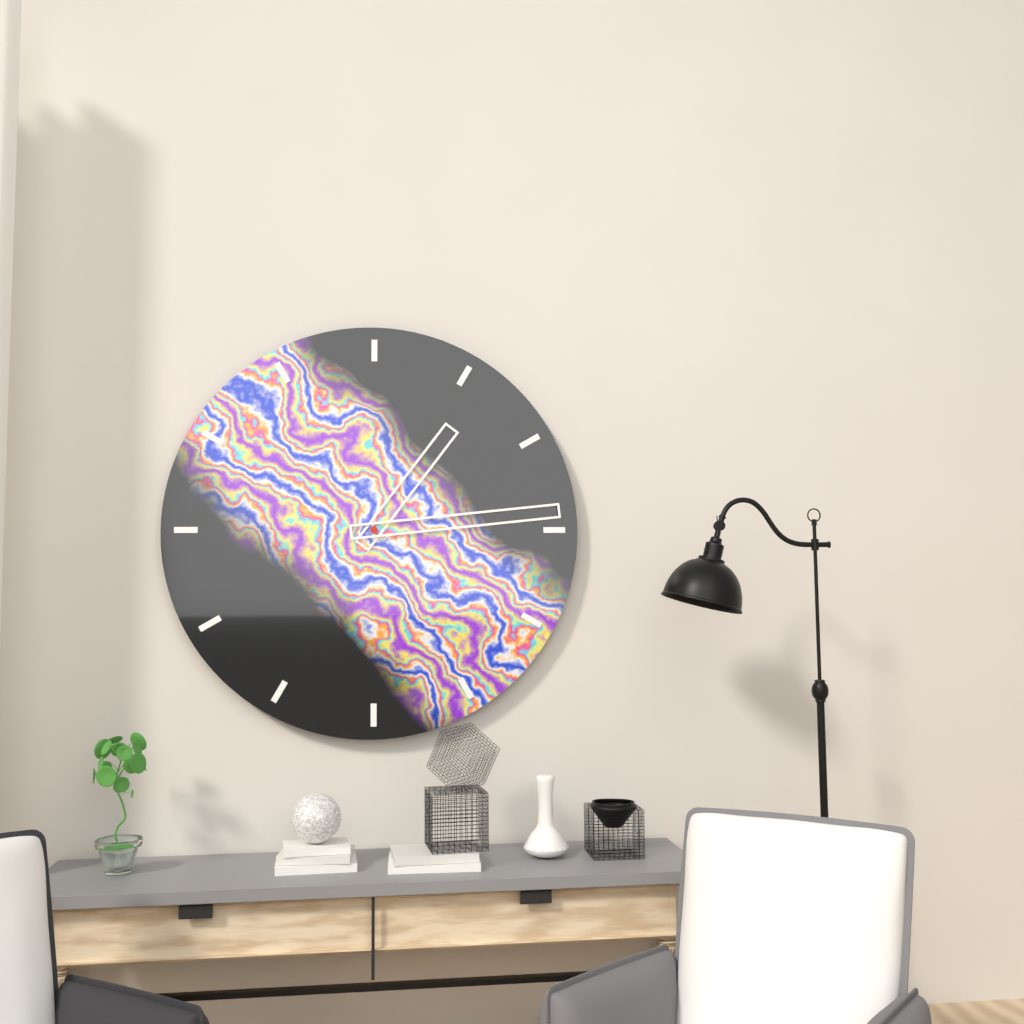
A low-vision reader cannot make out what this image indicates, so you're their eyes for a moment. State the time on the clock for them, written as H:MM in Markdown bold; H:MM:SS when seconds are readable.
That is **1:14**
